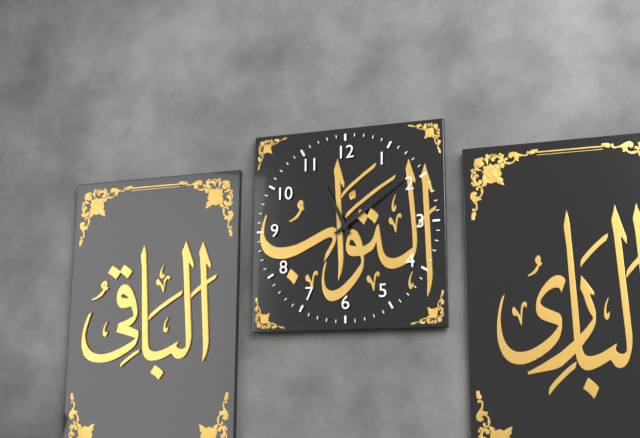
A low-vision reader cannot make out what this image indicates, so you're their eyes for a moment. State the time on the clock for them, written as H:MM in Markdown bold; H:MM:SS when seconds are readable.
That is **11:09**
